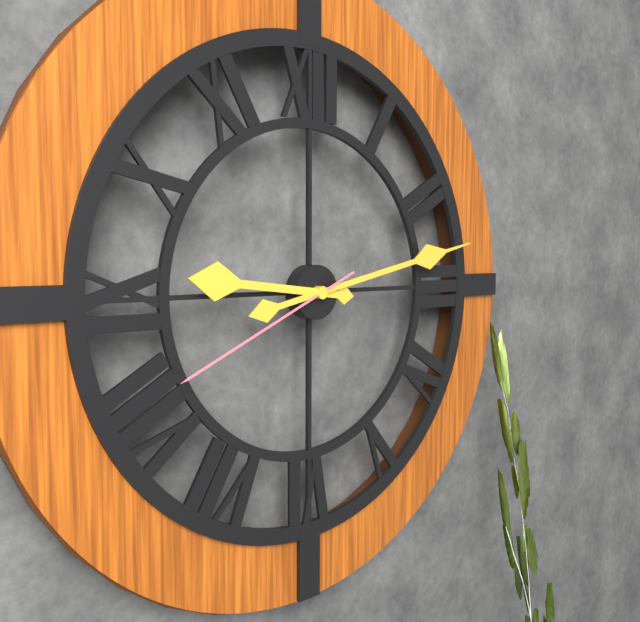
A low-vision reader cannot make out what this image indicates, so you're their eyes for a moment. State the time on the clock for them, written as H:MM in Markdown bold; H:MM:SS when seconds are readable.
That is **9:13:41**
